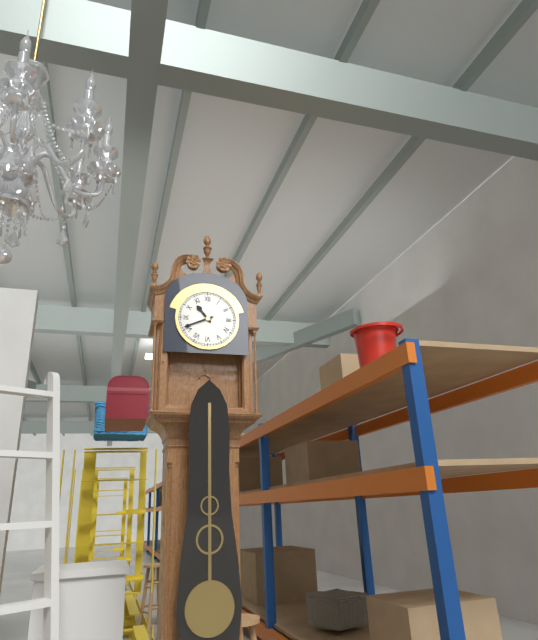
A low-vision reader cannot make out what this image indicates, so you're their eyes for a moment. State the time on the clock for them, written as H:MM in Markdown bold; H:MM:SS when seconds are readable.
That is **10:41**
